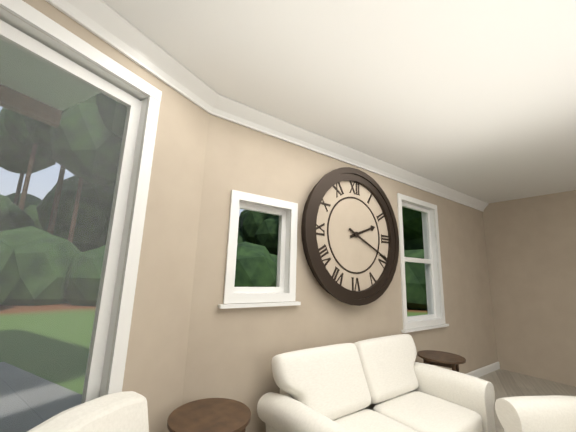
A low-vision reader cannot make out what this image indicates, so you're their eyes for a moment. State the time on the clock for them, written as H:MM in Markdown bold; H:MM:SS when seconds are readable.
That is **2:19**
